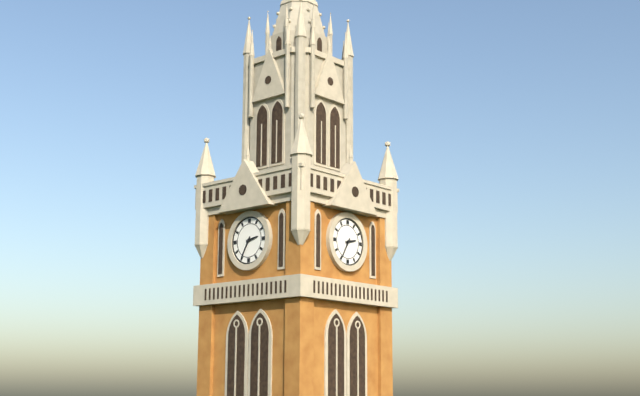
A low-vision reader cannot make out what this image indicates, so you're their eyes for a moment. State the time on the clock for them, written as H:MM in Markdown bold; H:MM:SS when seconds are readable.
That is **2:35**
